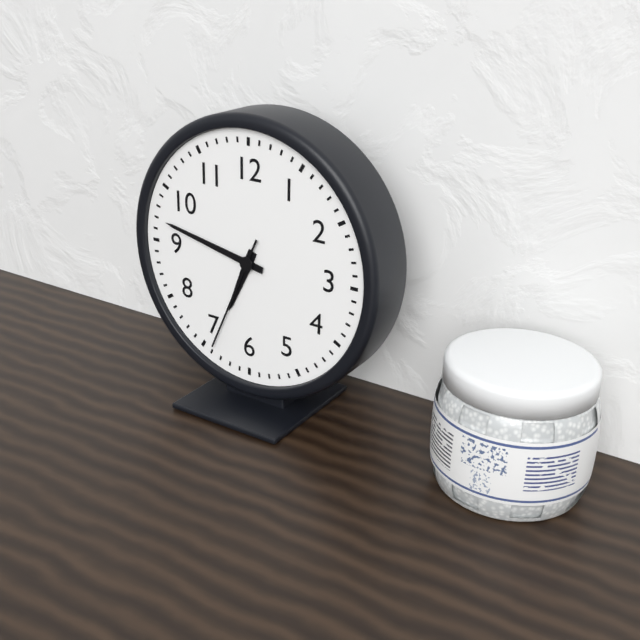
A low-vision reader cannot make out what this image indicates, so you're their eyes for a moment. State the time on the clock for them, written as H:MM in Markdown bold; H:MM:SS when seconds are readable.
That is **6:47:34**
